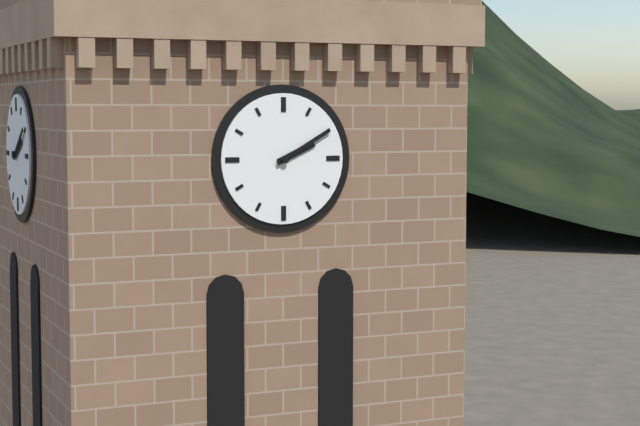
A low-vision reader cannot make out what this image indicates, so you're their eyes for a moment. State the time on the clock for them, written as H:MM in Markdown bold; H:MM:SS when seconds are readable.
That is **2:10**
